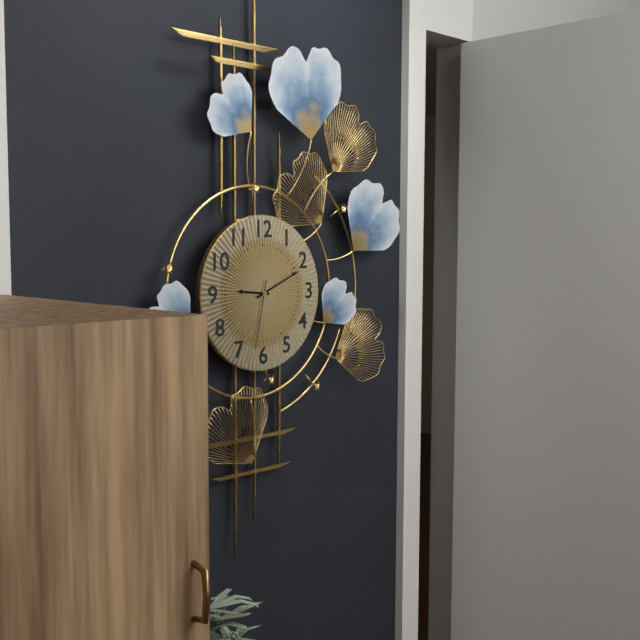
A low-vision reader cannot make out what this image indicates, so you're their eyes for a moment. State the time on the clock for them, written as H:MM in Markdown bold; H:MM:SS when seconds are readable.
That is **9:11:32**
